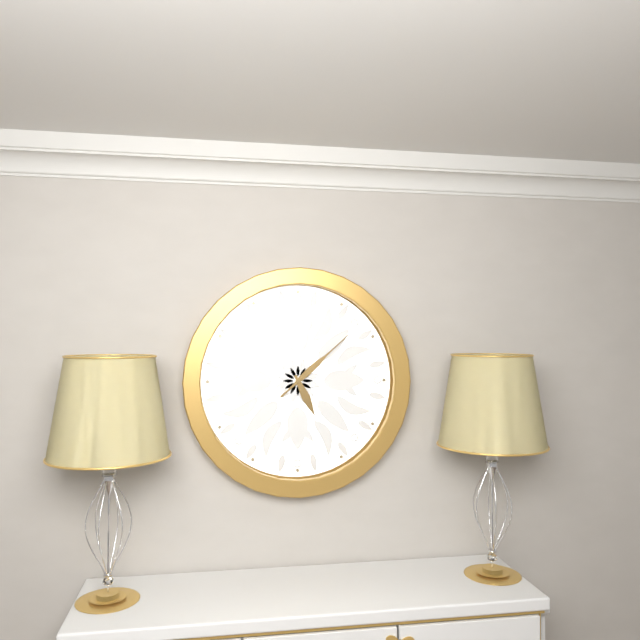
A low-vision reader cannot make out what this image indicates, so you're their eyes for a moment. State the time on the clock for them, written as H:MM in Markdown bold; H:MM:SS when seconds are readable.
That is **5:08**
